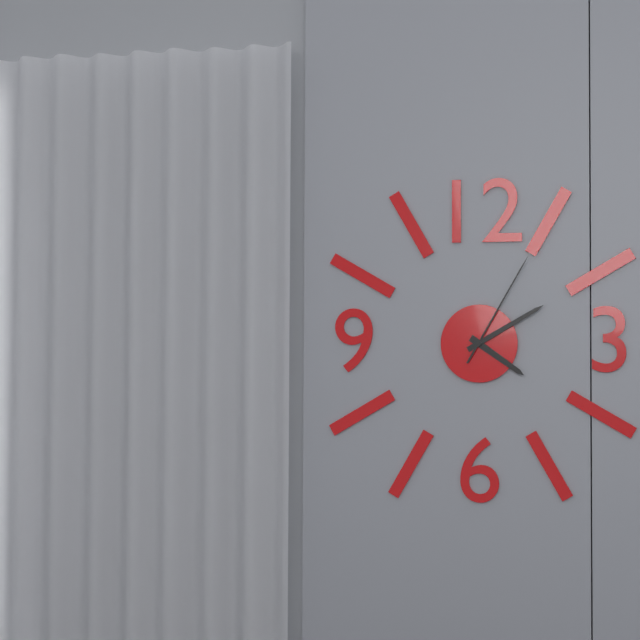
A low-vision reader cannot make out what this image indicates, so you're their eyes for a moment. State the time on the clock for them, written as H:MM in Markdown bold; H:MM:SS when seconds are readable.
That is **4:10:05**
